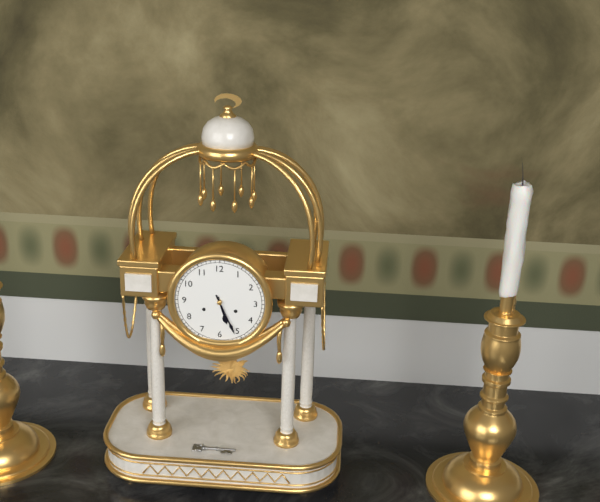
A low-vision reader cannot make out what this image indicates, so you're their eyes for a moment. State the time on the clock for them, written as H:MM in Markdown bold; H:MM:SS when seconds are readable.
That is **5:26**
